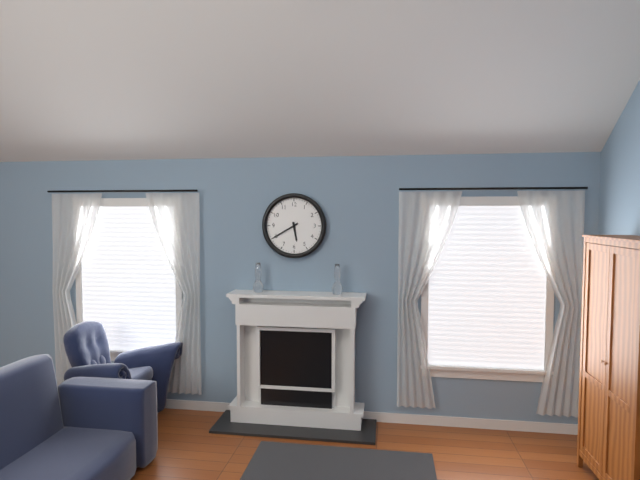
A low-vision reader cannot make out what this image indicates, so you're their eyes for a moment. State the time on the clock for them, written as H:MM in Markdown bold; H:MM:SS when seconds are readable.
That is **5:40**
